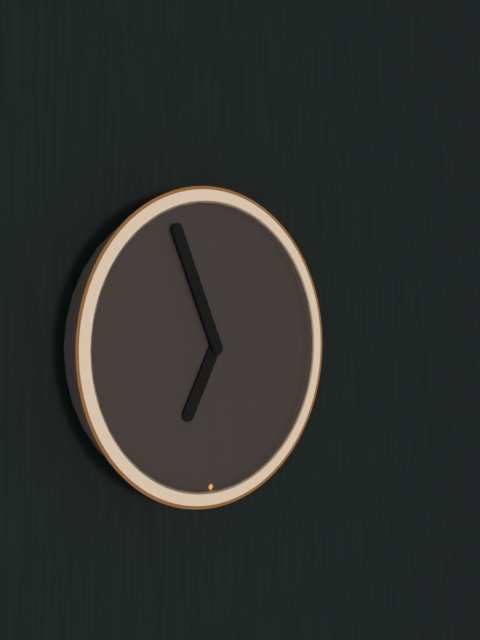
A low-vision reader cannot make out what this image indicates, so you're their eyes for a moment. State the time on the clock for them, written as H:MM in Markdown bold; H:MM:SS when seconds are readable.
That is **6:56**
